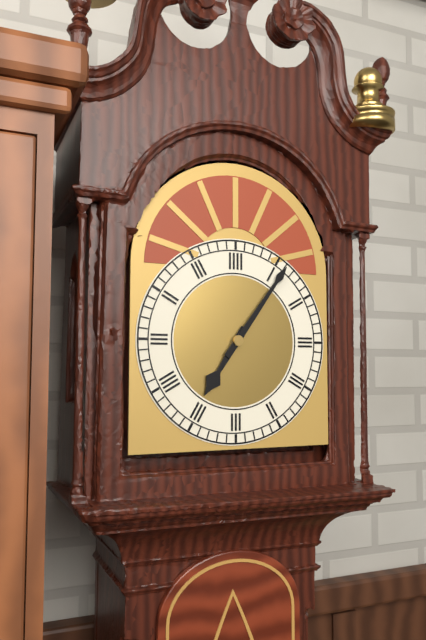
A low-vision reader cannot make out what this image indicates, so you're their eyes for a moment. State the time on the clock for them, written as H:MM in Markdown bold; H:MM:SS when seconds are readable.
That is **7:06**
